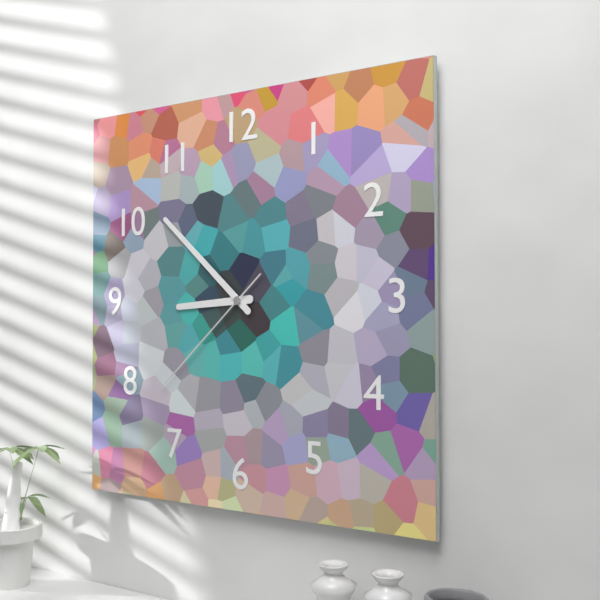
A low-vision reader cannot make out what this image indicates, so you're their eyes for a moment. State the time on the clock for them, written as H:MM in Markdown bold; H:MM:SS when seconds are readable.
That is **8:52:38**
